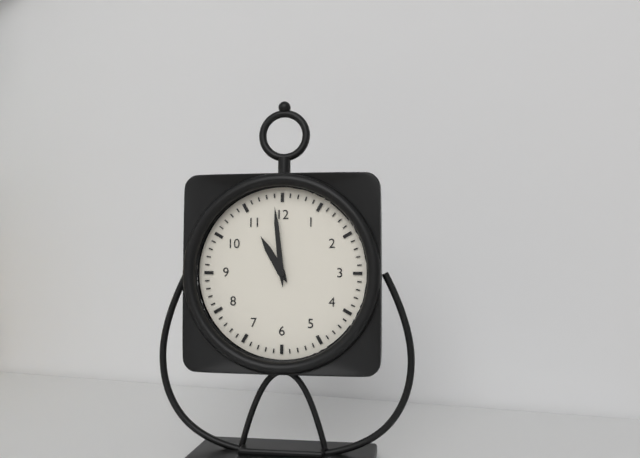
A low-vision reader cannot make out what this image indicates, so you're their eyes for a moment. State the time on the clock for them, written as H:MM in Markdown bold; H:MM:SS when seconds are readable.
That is **10:59**
